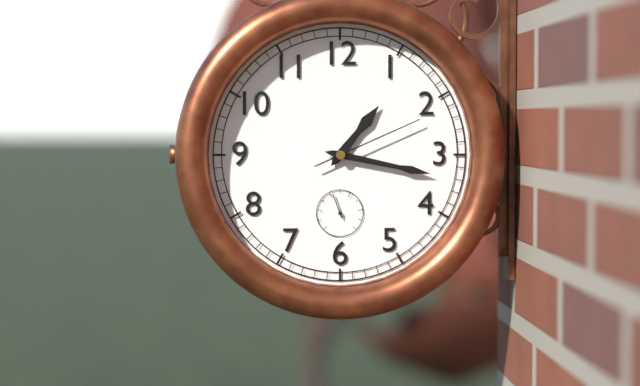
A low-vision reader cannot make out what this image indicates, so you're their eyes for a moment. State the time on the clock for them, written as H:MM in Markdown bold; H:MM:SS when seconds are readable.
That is **1:17:11**
